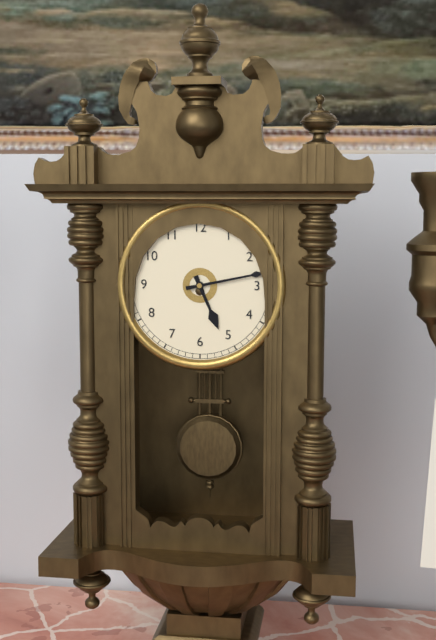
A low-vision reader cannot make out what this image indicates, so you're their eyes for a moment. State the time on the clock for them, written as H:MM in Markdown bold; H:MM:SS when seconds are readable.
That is **5:13**
